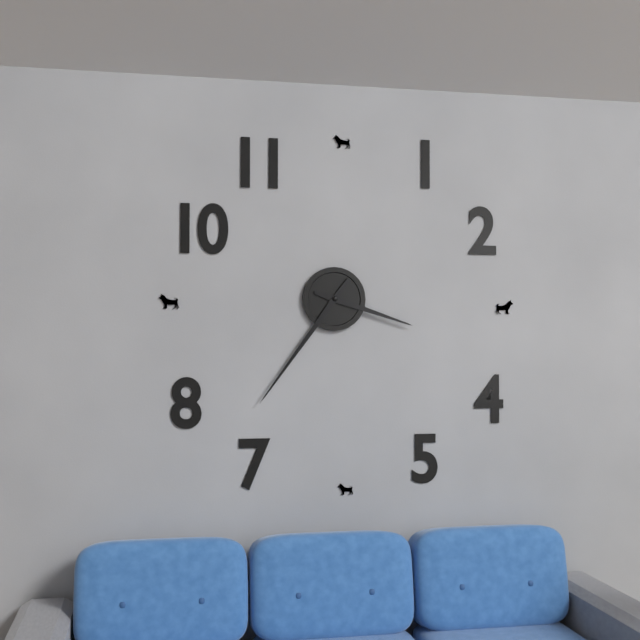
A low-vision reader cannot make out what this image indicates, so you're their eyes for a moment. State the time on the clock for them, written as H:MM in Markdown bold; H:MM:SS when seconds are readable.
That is **3:36**
